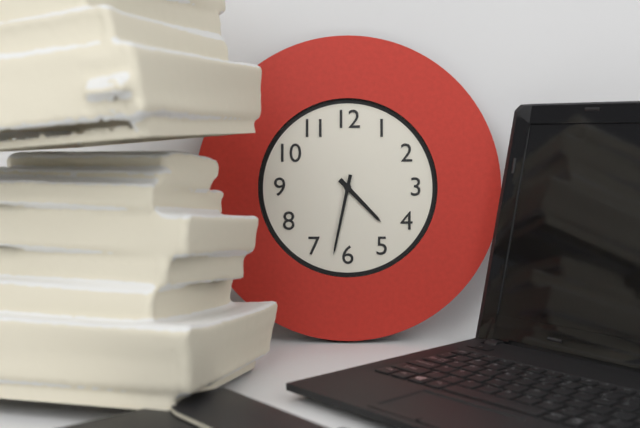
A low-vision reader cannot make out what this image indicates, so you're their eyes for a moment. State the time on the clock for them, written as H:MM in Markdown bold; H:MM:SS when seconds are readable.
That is **4:32**
